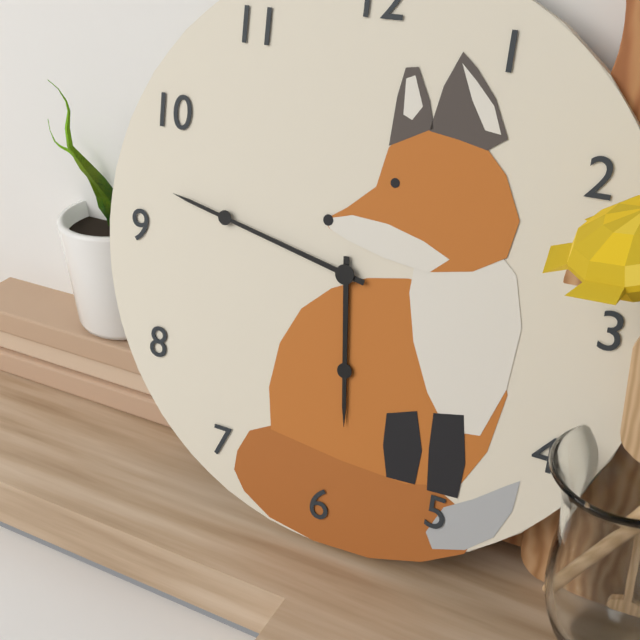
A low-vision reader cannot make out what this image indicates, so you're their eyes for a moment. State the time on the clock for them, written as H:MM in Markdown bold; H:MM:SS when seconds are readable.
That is **5:47**
